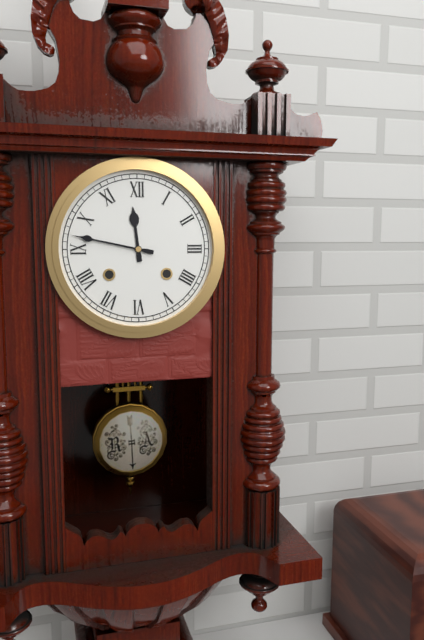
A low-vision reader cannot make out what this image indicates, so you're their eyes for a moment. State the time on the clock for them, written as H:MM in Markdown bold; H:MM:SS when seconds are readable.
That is **11:47**
